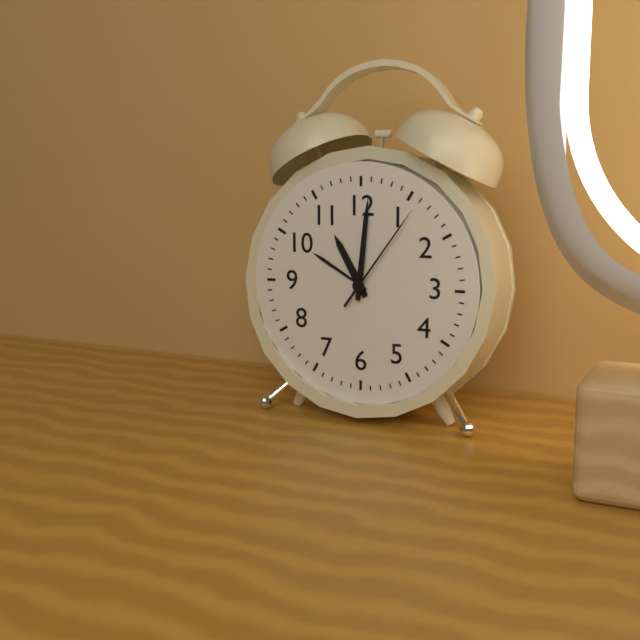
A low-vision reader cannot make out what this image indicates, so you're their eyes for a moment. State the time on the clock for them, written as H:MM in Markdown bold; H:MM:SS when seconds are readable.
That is **11:01:06**
